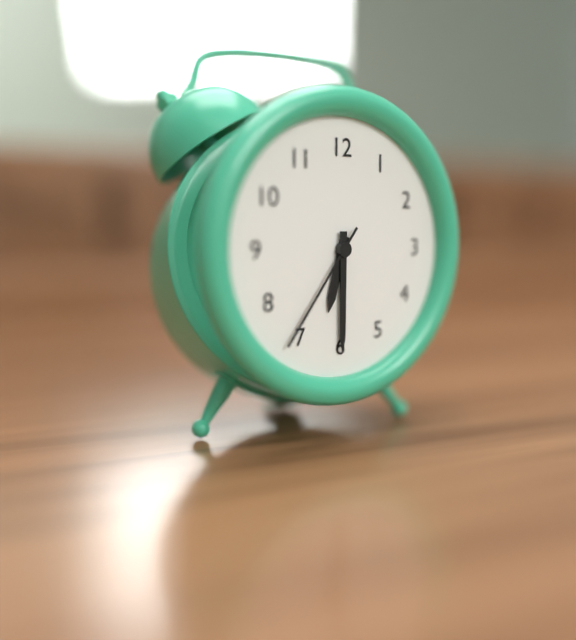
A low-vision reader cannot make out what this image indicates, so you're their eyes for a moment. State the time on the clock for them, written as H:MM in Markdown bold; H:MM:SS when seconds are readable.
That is **6:30:36**
